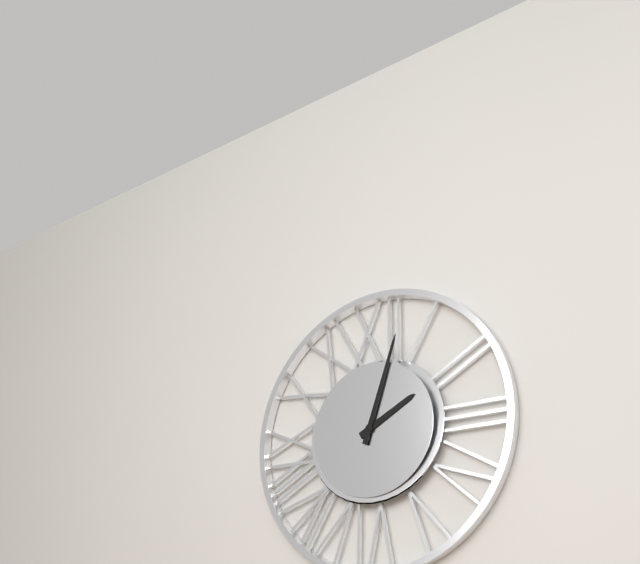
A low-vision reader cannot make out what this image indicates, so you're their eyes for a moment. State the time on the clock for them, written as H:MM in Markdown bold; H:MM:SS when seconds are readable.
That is **2:03**
